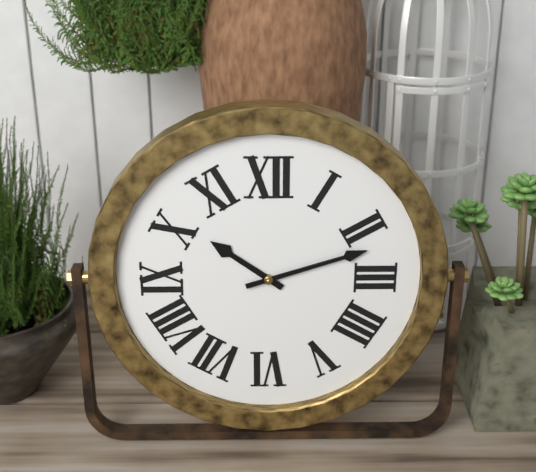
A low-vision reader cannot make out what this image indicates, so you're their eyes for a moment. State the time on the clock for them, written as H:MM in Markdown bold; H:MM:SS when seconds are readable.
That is **10:12**
